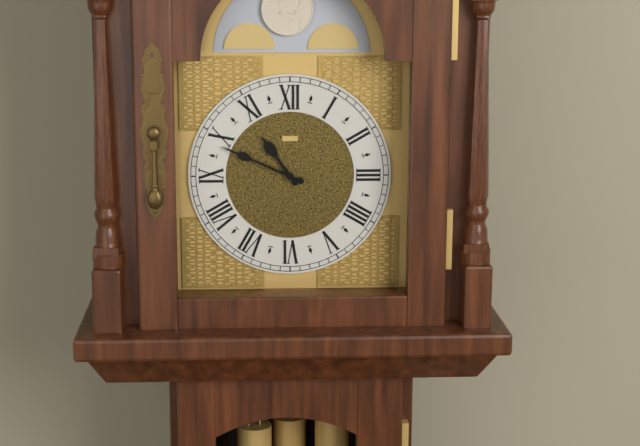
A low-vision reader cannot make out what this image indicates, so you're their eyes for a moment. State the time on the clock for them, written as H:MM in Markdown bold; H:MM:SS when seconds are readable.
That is **10:49**
